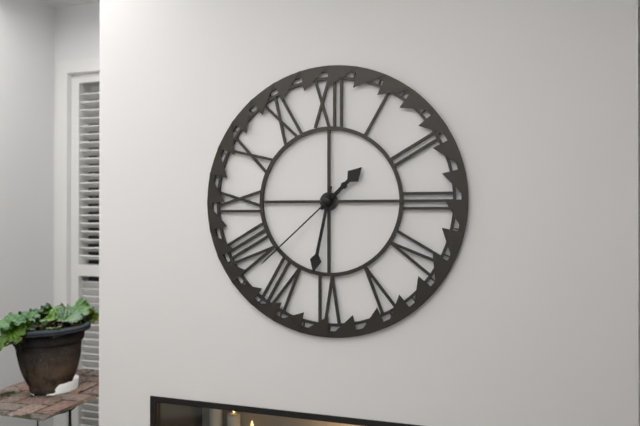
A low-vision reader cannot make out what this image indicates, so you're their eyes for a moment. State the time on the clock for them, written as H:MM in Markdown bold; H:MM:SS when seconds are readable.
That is **1:32:38**
